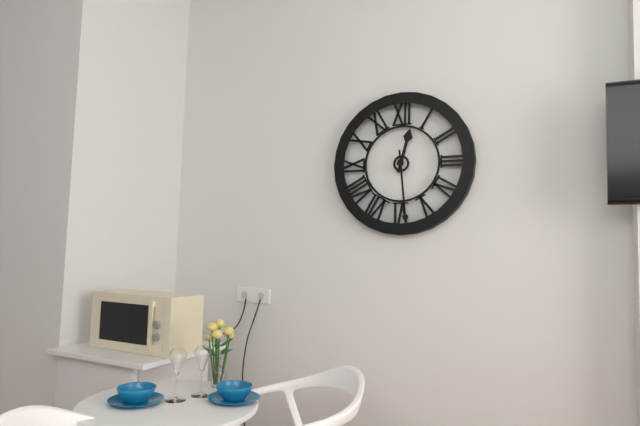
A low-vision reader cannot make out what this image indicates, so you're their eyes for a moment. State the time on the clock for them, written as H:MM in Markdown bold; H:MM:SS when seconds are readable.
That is **12:29**
